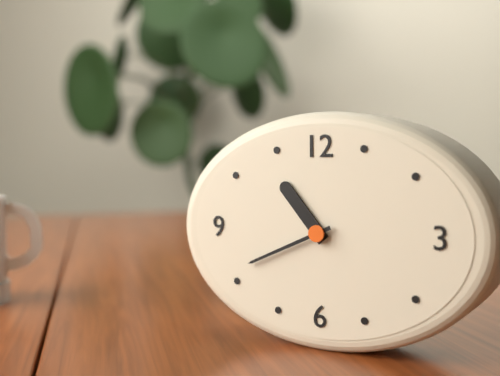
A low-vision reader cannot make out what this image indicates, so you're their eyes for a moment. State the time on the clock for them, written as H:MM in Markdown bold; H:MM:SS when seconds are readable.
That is **10:41**
